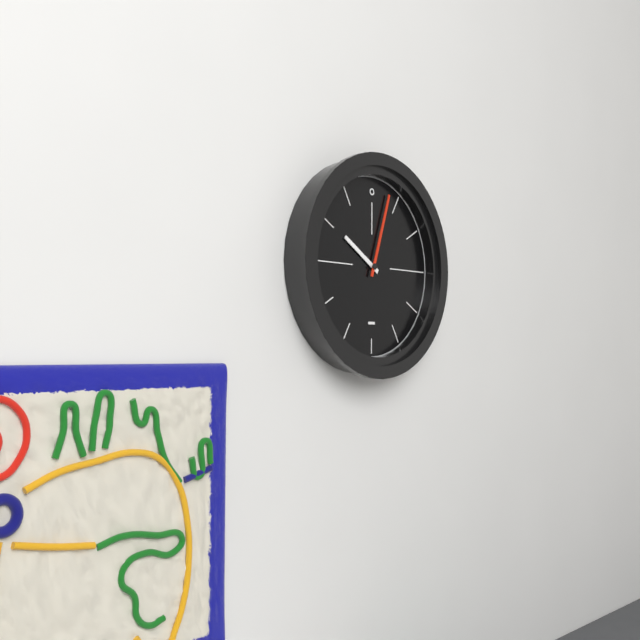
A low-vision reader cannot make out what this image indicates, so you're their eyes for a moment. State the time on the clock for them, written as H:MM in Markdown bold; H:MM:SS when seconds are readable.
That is **10:03**
